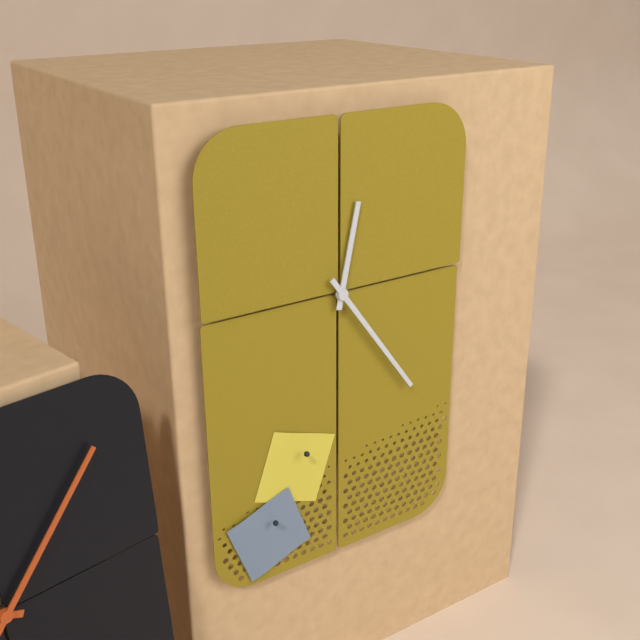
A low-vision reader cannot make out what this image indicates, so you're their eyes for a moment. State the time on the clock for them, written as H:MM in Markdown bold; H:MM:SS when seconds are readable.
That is **12:24**
